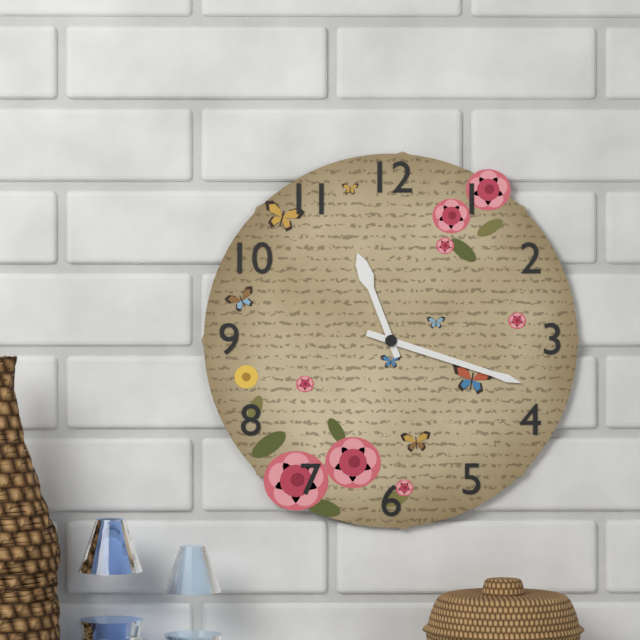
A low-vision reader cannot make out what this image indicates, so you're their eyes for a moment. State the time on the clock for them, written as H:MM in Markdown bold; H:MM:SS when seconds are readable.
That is **11:18**
